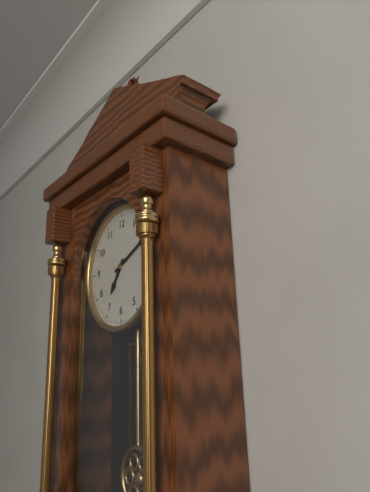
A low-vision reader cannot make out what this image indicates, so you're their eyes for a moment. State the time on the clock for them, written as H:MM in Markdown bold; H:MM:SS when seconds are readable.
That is **7:11**
